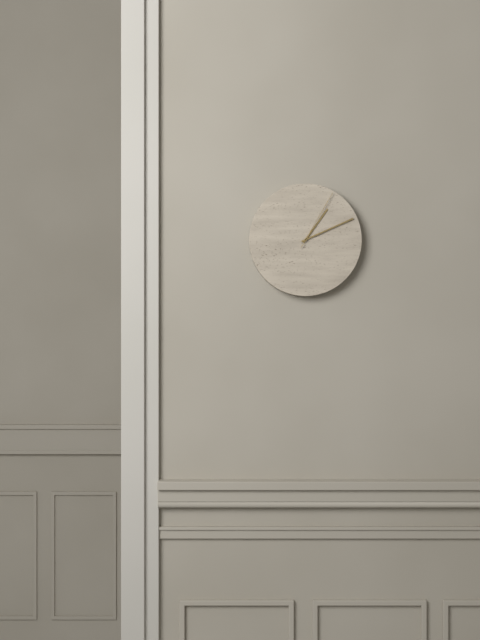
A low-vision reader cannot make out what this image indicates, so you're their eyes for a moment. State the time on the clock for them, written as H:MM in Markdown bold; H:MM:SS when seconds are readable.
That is **1:11:05**
